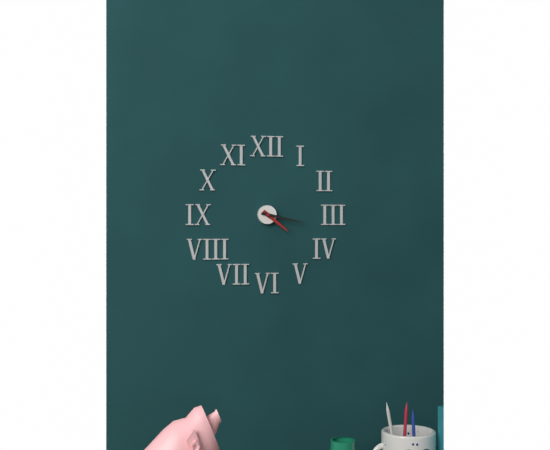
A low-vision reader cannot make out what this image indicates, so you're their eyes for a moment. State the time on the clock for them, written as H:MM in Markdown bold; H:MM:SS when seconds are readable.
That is **4:17**
